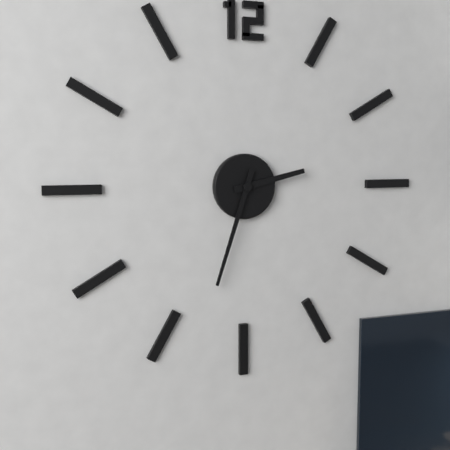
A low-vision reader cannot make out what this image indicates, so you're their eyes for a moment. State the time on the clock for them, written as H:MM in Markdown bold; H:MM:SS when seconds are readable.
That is **2:33**
